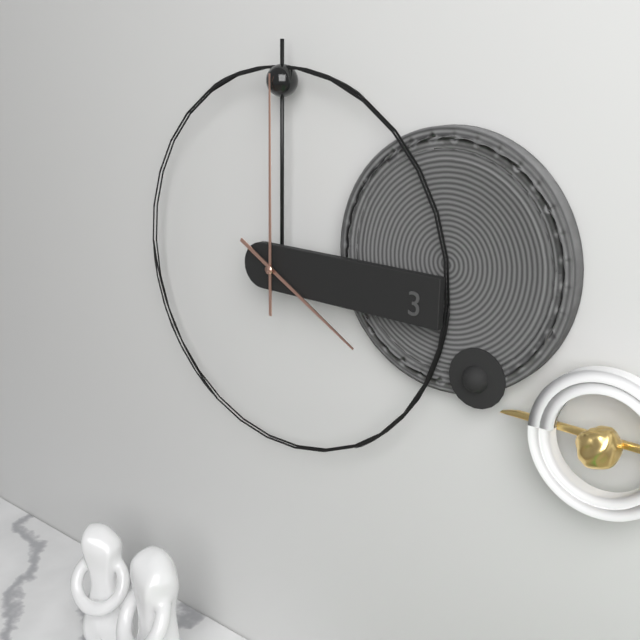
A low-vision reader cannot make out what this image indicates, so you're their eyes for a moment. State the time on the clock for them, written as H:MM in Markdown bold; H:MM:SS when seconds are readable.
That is **4:00**
